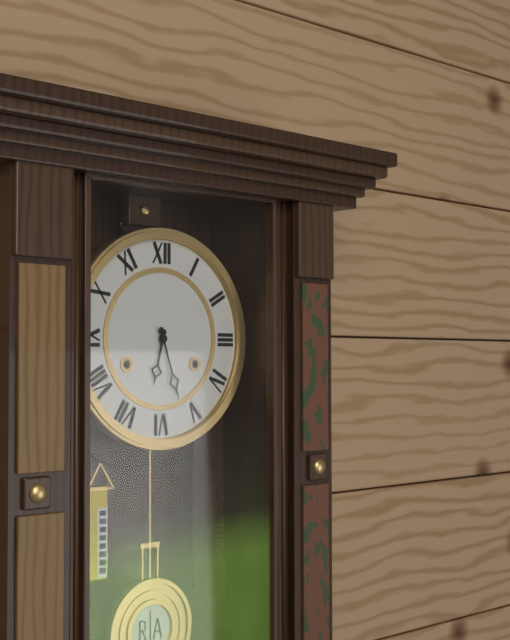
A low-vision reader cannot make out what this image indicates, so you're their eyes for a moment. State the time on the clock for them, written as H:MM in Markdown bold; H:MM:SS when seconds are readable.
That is **6:27**
